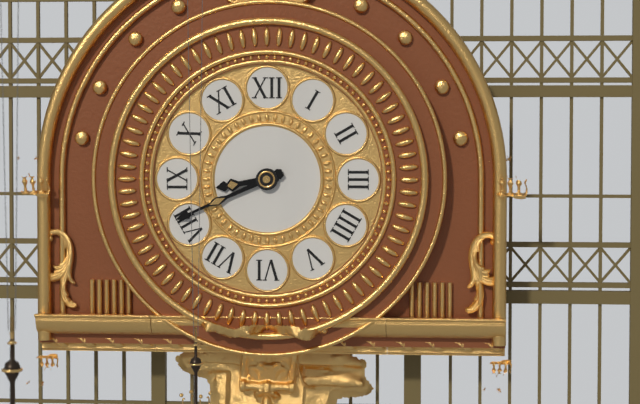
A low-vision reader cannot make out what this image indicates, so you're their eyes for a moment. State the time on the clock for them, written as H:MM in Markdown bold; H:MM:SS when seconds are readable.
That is **8:41**
